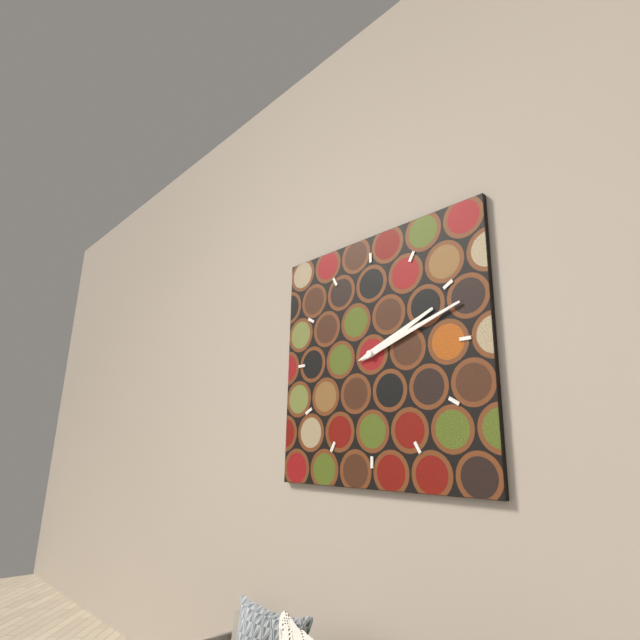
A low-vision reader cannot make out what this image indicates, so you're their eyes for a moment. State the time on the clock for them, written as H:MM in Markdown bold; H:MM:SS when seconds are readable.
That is **2:12**
